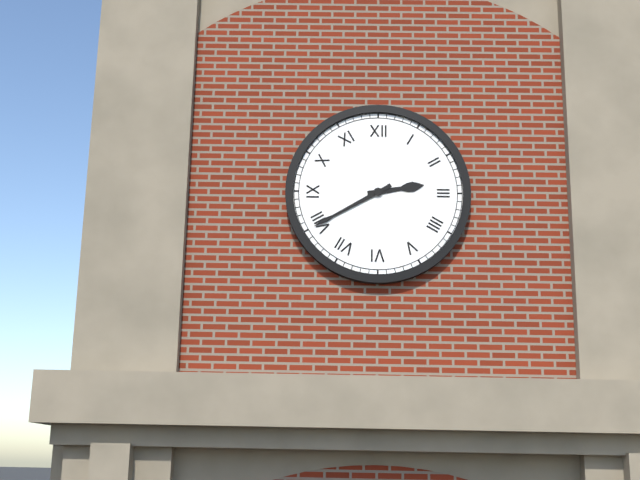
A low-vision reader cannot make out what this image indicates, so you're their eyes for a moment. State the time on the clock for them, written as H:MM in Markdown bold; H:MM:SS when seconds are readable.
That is **2:40**
